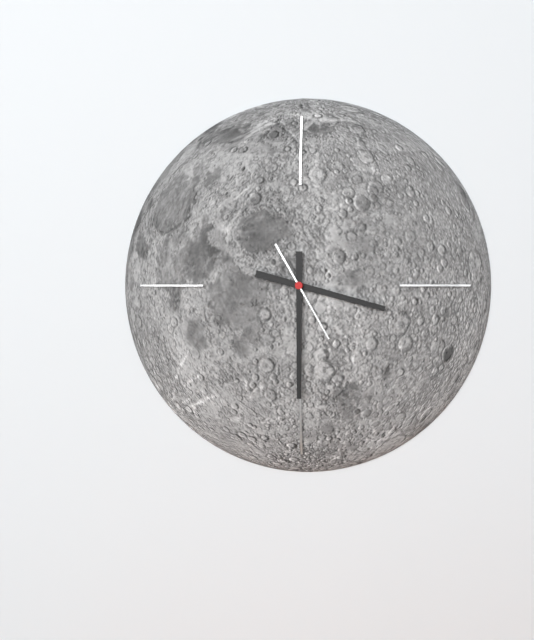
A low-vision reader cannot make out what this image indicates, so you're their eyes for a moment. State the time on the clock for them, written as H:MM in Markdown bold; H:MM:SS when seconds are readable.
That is **3:30:25**
